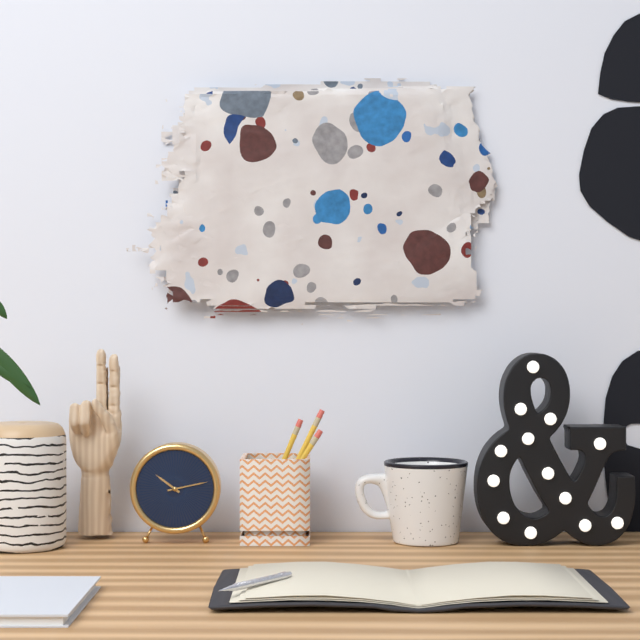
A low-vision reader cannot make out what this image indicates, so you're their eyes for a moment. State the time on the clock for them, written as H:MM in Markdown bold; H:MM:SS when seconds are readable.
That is **10:13**
